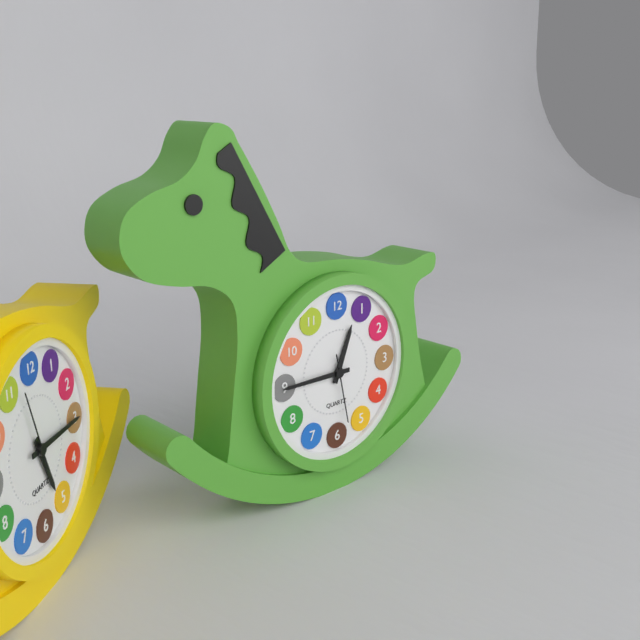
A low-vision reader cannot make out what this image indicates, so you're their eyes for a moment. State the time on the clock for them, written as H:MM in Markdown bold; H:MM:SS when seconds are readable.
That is **12:45:28**
